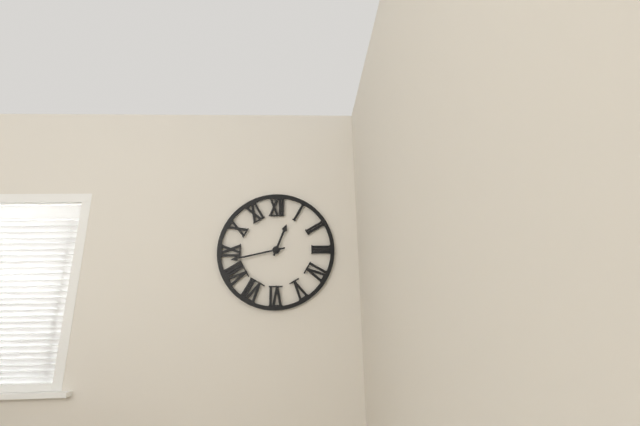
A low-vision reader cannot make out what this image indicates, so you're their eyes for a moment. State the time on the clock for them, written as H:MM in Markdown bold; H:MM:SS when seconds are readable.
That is **12:43**
